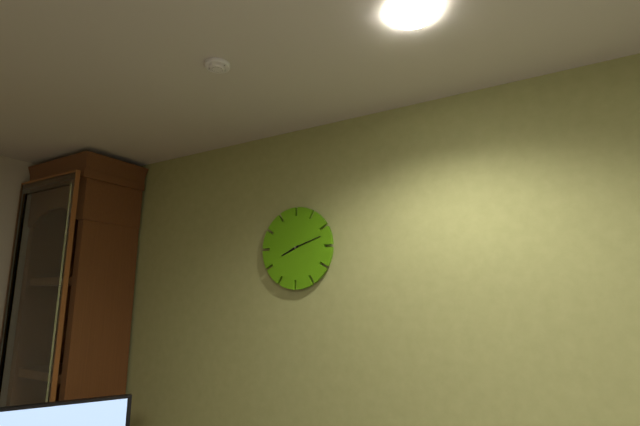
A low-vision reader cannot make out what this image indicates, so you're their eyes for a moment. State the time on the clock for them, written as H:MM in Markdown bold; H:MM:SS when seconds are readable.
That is **8:12**
